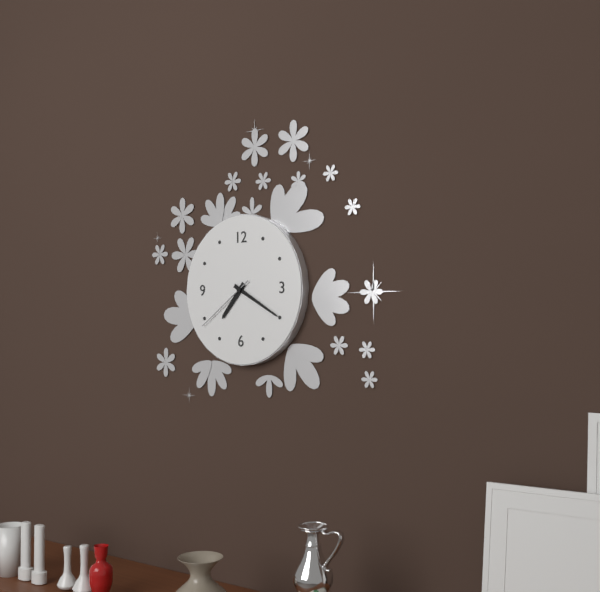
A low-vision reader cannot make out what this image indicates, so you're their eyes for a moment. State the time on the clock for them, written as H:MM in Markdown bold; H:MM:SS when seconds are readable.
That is **7:20:39**
